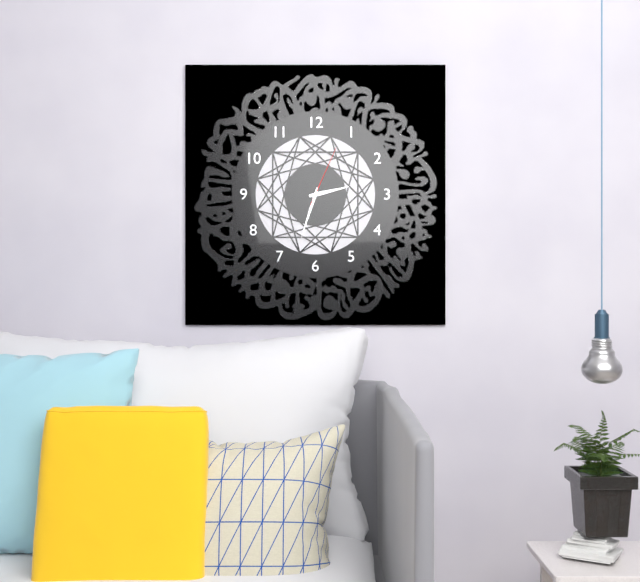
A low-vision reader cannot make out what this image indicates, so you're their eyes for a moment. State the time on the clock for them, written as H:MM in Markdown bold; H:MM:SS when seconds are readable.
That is **2:33:04**
